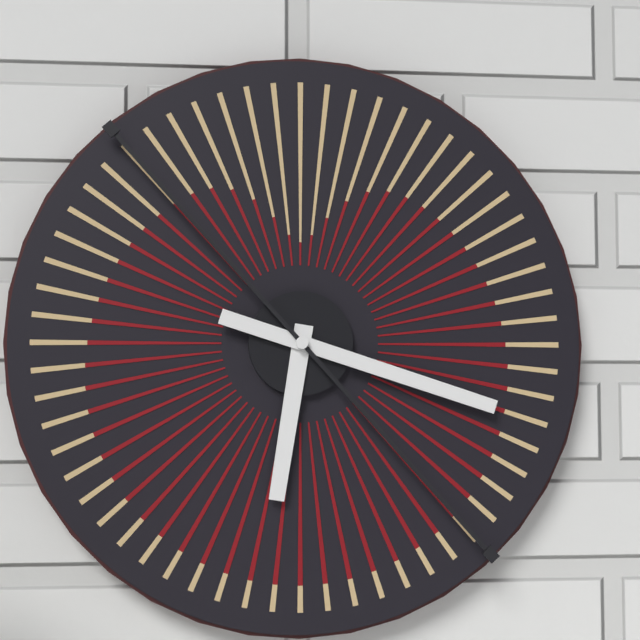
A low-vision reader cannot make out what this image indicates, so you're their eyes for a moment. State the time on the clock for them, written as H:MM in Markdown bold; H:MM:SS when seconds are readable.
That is **6:18**
